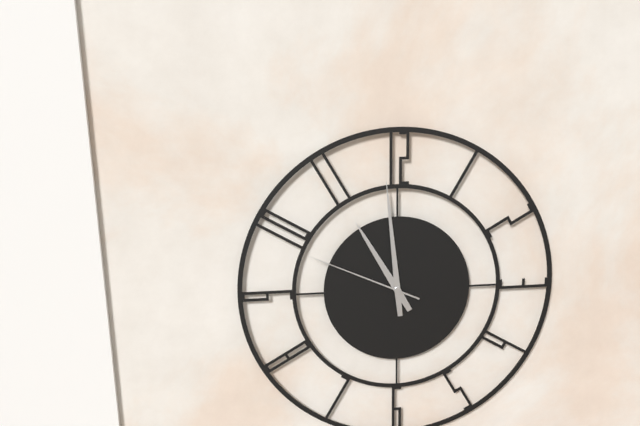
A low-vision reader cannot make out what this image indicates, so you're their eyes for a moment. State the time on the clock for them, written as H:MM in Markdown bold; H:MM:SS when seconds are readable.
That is **10:59:49**
